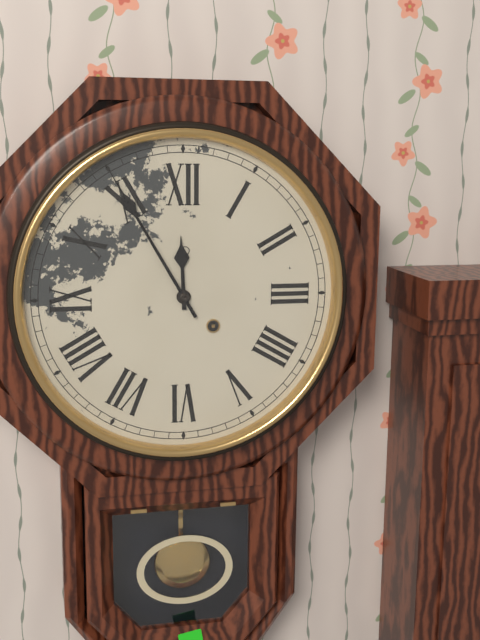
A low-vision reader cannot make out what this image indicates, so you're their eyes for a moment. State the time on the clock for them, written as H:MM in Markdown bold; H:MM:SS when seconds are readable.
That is **11:55**
